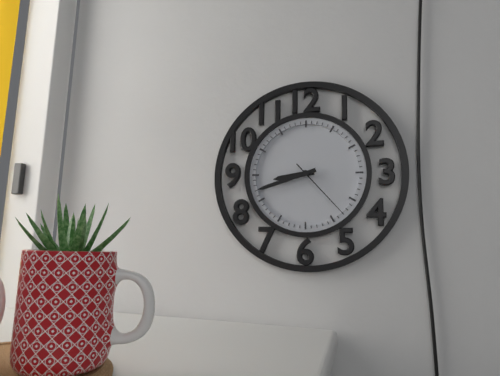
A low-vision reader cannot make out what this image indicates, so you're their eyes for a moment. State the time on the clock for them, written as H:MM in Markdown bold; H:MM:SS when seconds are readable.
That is **8:42:23**
